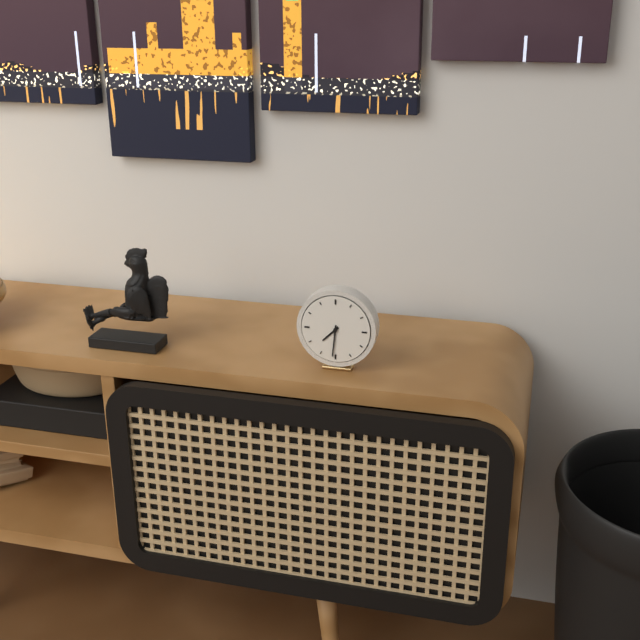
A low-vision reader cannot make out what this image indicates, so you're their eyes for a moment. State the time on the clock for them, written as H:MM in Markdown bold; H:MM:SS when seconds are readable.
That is **7:31**
